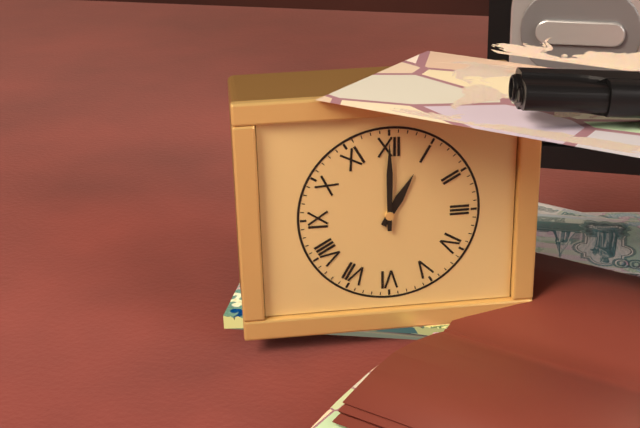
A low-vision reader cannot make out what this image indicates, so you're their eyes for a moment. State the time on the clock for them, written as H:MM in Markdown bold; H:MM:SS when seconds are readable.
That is **1:00**
